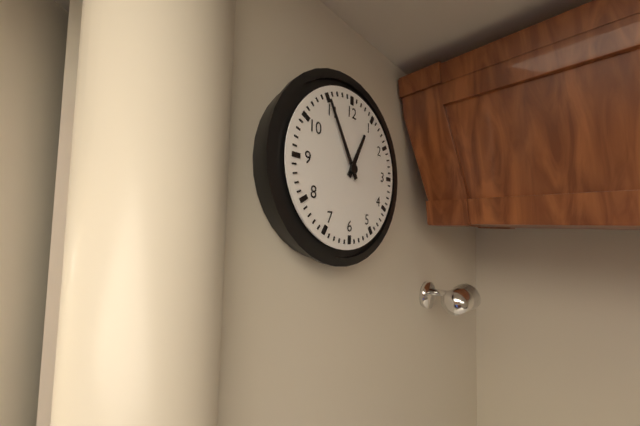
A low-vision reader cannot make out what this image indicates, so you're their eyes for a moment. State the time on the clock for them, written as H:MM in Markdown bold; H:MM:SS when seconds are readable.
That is **12:55**
